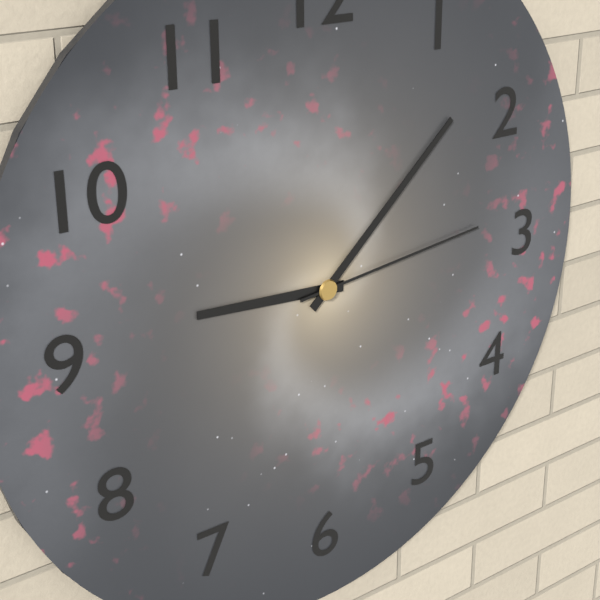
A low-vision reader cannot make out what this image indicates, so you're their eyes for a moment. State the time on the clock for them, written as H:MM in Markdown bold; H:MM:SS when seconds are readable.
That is **9:08:14**
